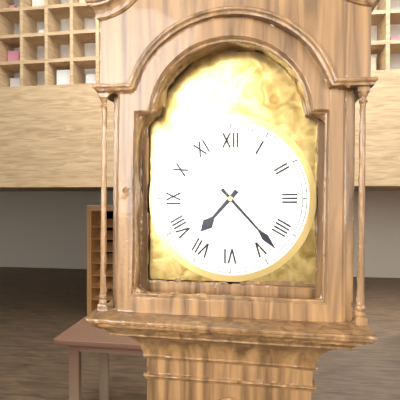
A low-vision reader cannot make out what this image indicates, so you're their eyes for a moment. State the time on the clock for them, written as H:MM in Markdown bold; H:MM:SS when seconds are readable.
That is **7:23**
